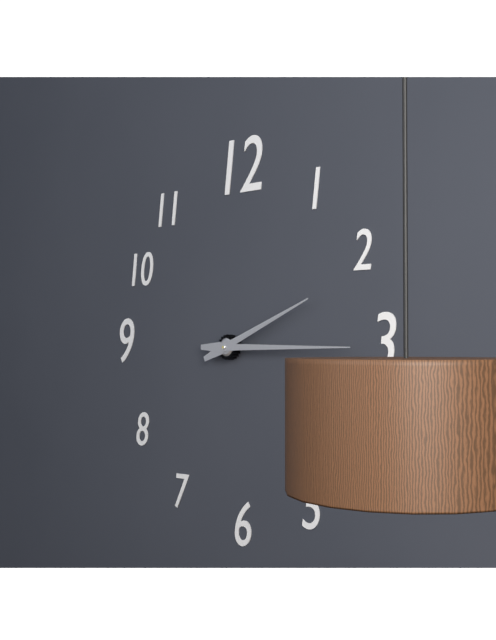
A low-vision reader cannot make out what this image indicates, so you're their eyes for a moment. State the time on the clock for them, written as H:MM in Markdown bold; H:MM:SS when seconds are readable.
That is **2:15**
